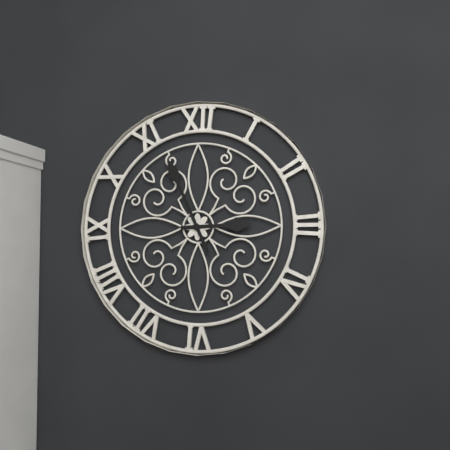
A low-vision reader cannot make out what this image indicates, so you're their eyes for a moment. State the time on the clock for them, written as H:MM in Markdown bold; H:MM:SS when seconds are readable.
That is **2:56**
